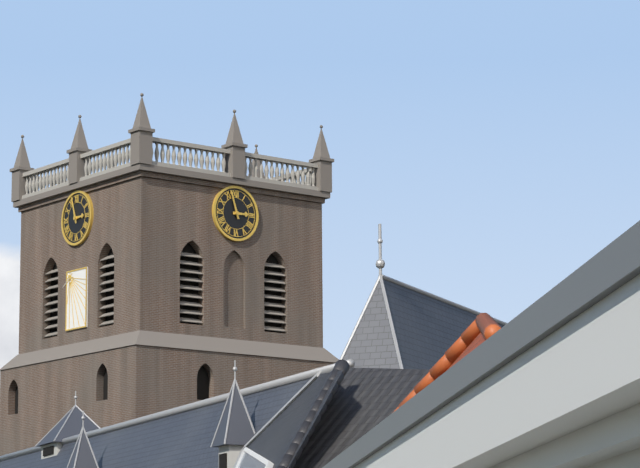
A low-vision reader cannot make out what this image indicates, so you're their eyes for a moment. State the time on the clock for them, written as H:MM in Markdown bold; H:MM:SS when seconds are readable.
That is **2:57**
